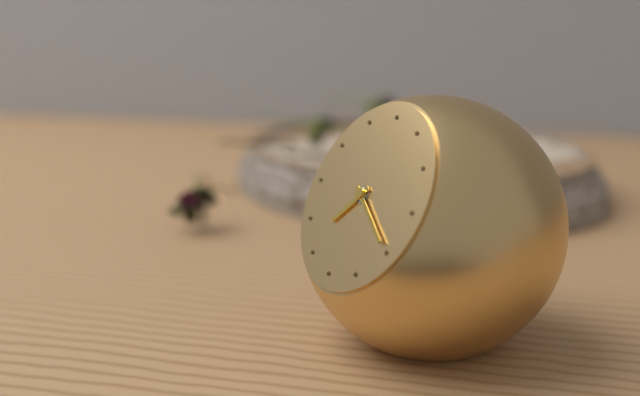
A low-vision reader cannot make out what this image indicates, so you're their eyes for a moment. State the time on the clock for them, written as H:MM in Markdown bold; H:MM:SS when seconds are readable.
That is **7:20**
